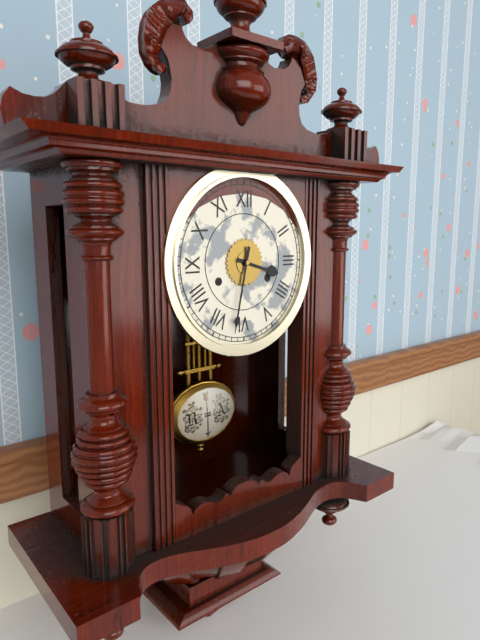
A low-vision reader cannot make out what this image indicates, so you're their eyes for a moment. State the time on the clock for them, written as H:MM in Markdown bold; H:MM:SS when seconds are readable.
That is **3:32**
